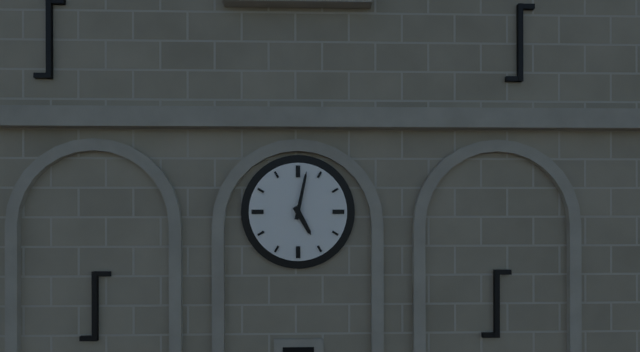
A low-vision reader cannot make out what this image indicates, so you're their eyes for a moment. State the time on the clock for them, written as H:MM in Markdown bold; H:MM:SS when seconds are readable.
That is **5:02**
